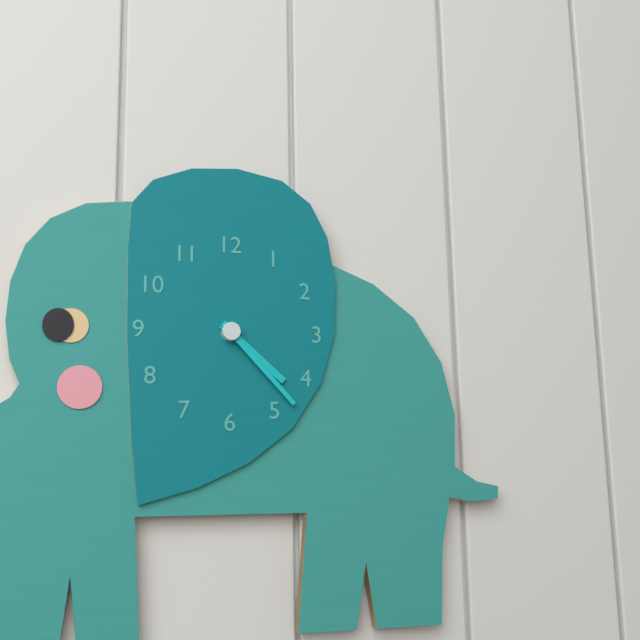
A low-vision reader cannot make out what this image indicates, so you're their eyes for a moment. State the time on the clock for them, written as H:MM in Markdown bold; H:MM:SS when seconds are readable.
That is **4:23**
